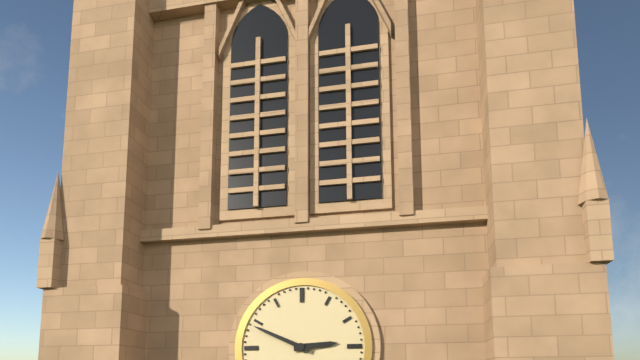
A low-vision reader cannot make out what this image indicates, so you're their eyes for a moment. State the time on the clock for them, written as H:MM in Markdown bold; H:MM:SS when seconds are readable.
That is **2:49**
